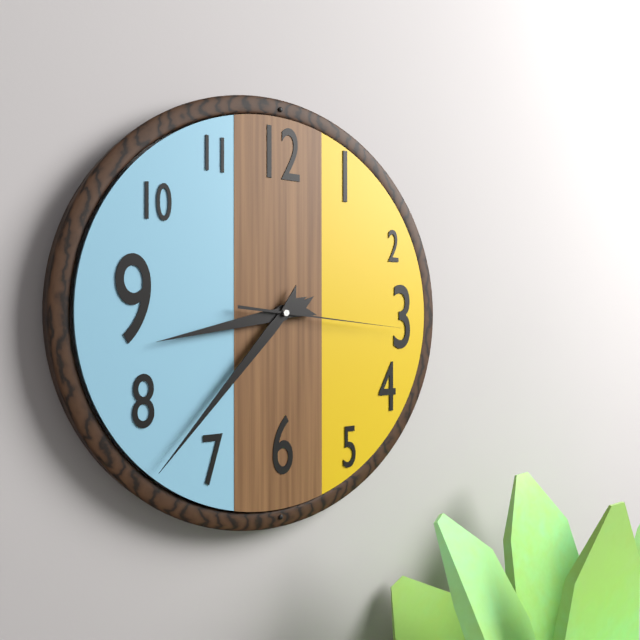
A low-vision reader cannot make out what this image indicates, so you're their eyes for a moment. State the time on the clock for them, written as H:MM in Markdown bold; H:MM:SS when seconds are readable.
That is **8:37:16**
